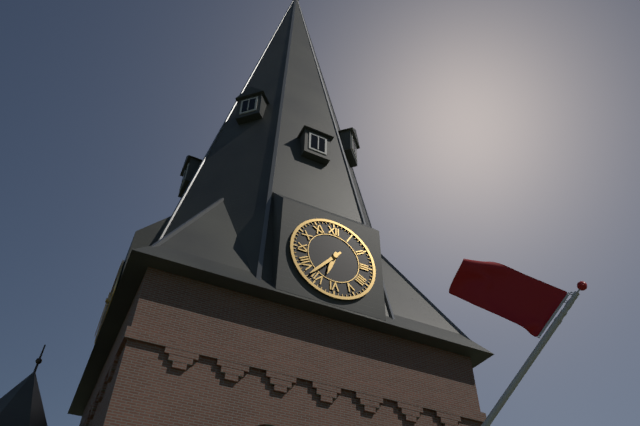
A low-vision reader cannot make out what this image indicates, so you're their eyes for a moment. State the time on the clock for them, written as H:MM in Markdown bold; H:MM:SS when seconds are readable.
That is **6:37**
